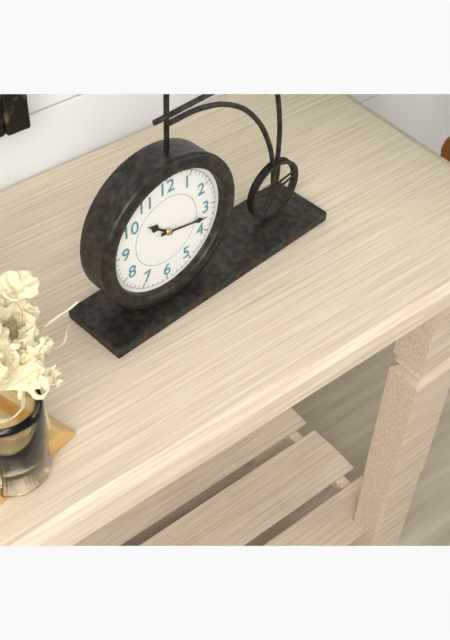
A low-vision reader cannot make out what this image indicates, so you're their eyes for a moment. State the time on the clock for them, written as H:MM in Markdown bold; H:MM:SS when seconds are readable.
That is **10:17**
